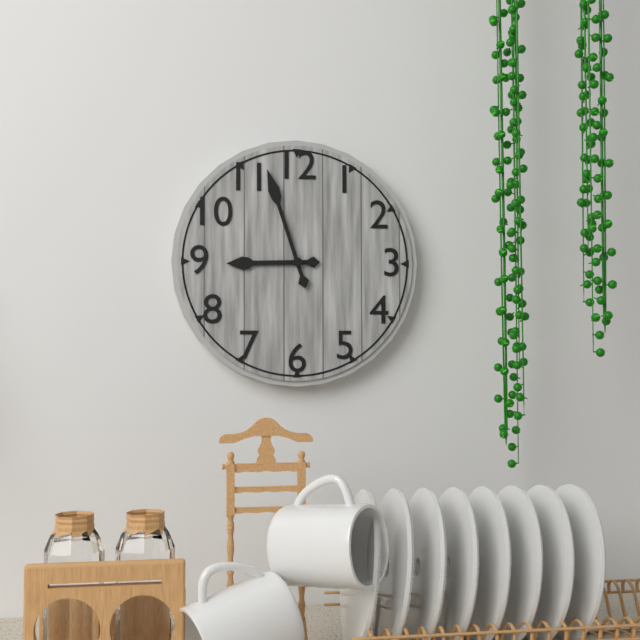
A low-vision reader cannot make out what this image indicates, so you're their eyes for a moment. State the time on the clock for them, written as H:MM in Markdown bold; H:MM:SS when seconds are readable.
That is **8:57**
